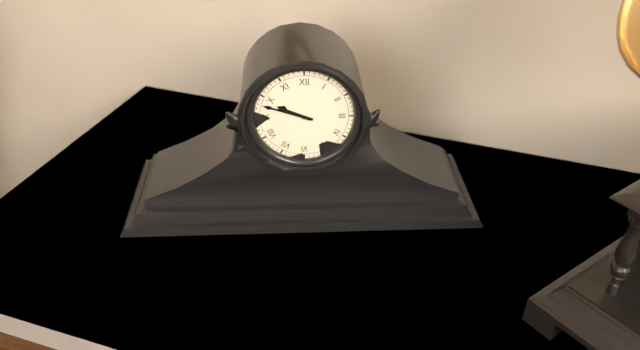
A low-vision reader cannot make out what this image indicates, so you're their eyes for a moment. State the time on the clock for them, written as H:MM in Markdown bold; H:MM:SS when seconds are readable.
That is **9:48**
